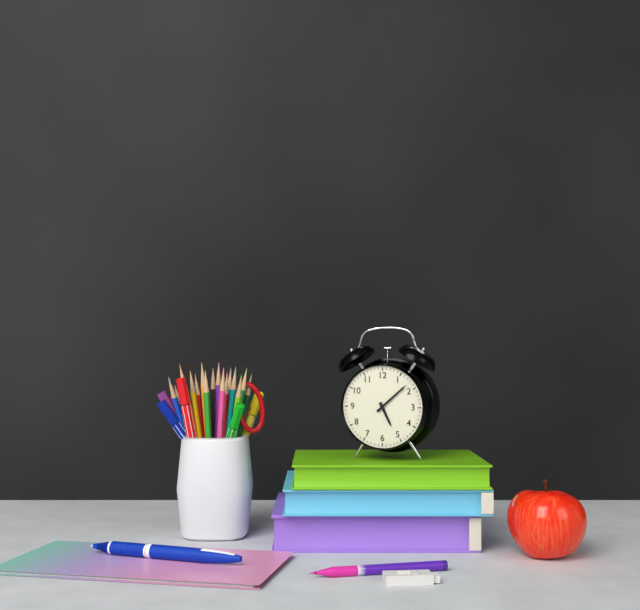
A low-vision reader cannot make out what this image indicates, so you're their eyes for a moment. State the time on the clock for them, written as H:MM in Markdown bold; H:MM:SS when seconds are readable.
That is **5:08**
